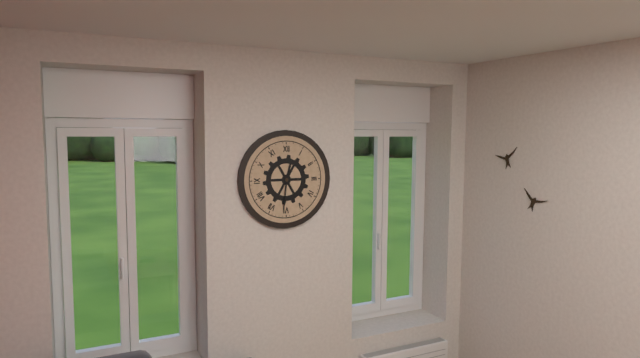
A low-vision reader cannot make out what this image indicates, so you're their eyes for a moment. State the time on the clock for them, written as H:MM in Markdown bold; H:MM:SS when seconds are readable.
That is **12:31**
